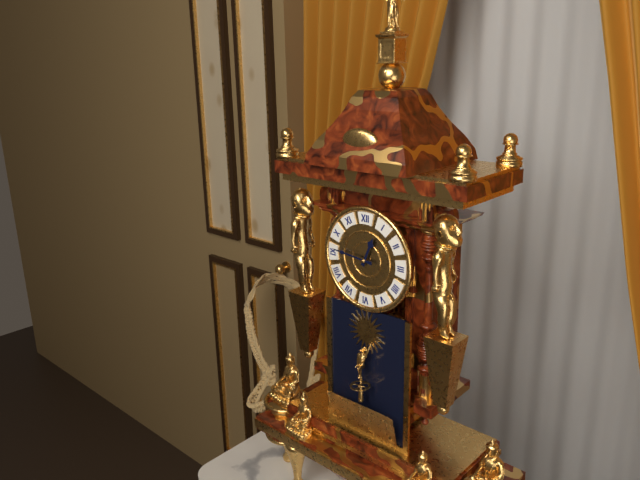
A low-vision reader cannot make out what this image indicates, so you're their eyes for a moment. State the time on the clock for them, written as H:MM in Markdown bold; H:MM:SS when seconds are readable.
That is **12:46**
